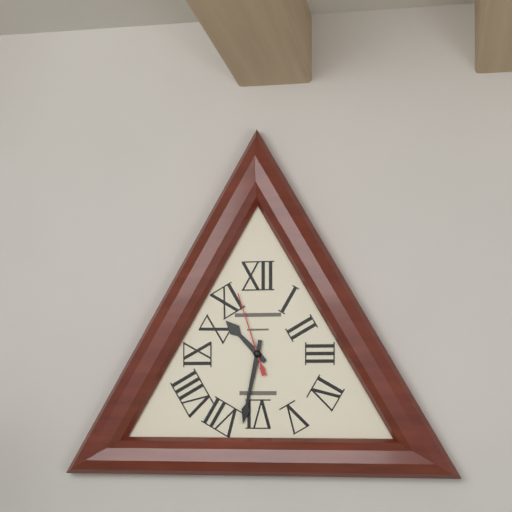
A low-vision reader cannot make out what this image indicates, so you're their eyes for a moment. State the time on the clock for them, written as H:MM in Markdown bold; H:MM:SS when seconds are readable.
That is **10:32:57**
